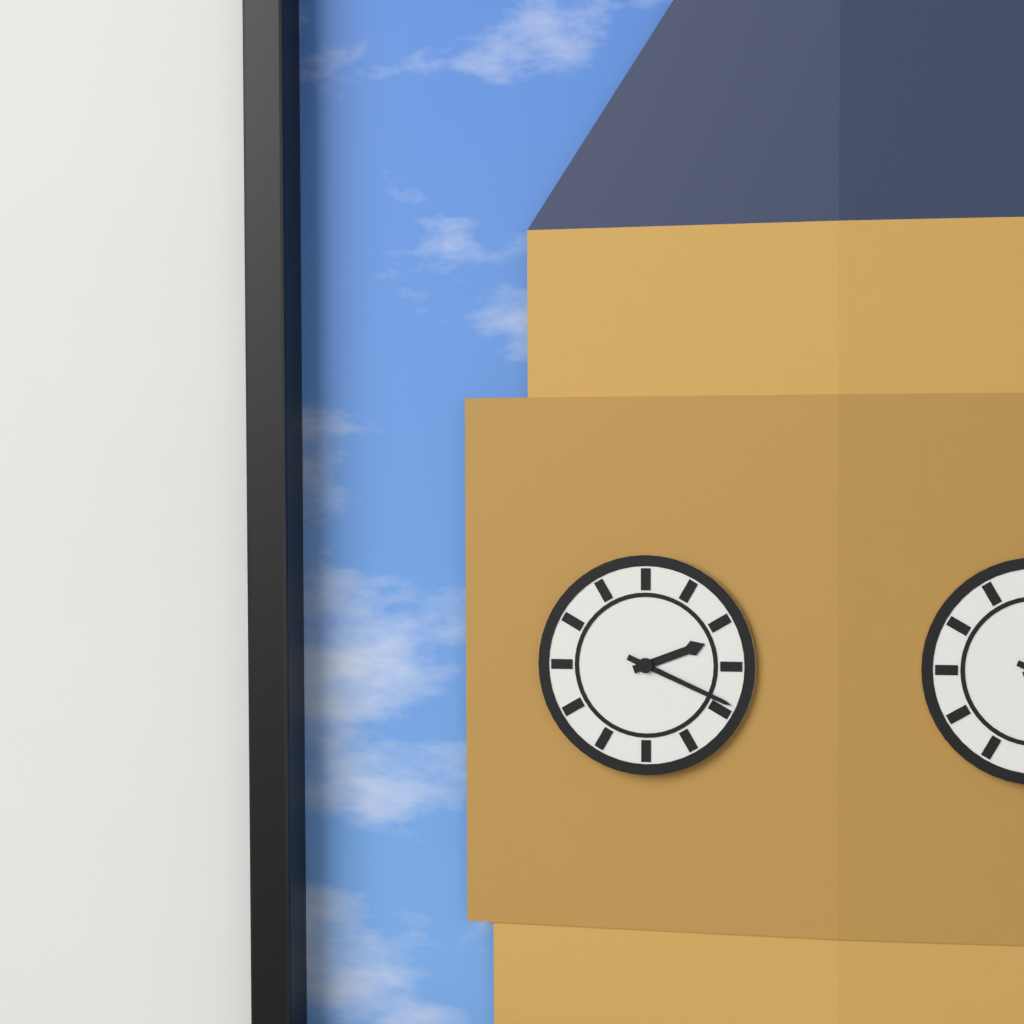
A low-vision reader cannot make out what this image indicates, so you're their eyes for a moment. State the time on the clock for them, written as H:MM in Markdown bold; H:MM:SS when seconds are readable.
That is **2:19**
